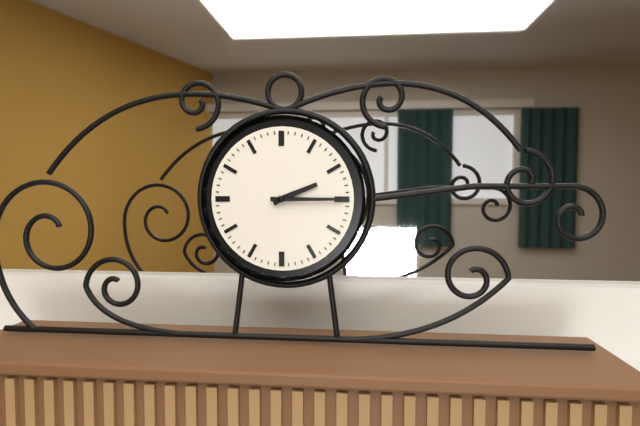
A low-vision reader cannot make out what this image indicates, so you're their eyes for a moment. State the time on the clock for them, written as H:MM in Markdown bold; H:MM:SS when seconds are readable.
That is **2:15**
